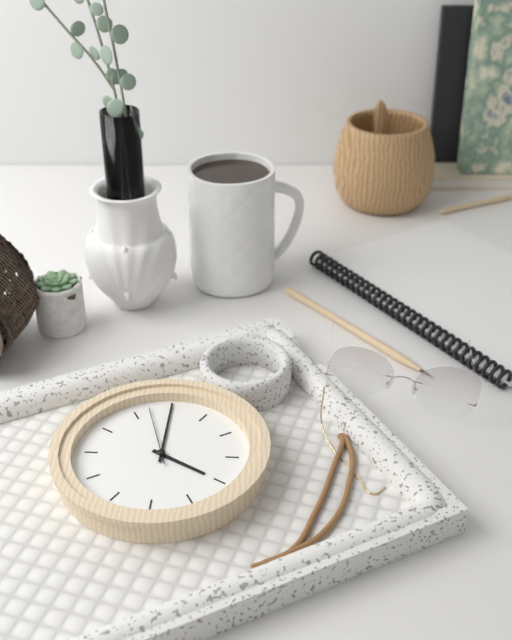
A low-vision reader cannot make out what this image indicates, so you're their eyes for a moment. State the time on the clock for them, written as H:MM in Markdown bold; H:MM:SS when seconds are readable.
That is **4:00:57**
